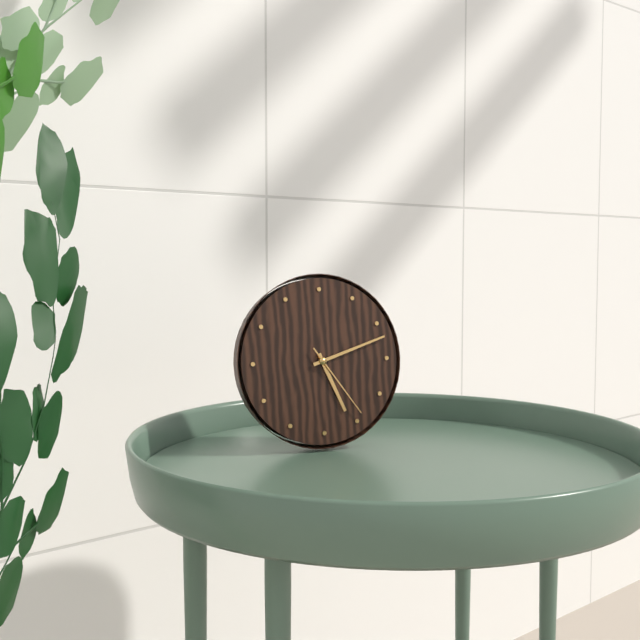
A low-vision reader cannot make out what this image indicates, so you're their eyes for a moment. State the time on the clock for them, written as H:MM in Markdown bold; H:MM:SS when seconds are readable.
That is **5:12:24**
